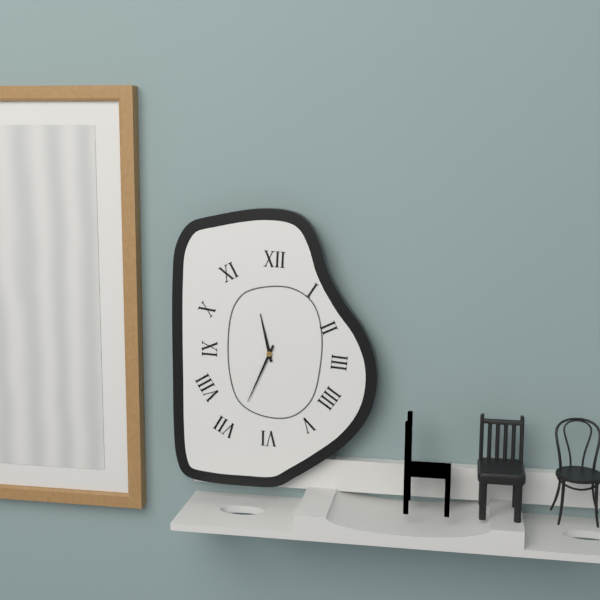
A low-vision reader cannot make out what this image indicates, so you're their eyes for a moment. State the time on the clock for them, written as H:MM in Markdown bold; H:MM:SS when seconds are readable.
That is **11:34**
